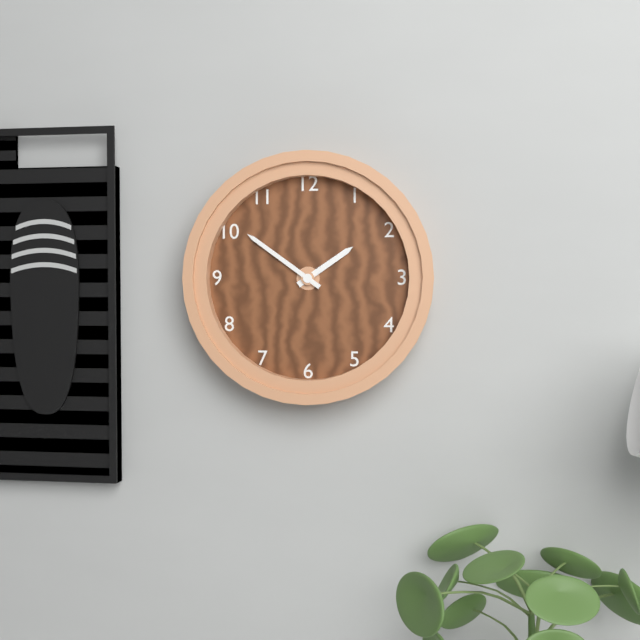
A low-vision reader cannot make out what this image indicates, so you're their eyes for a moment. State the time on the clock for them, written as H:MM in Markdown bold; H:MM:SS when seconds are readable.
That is **1:51**
